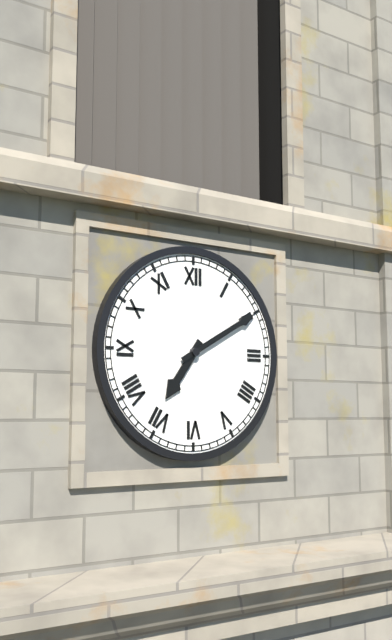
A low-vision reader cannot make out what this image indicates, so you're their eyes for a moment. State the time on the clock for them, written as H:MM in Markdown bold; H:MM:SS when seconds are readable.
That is **7:10**
